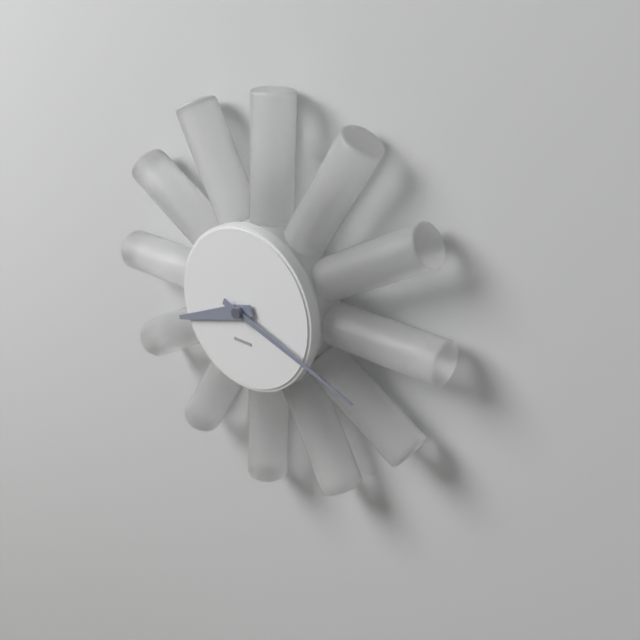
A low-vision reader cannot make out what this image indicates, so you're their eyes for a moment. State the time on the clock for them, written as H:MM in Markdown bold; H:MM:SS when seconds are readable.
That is **8:18**
